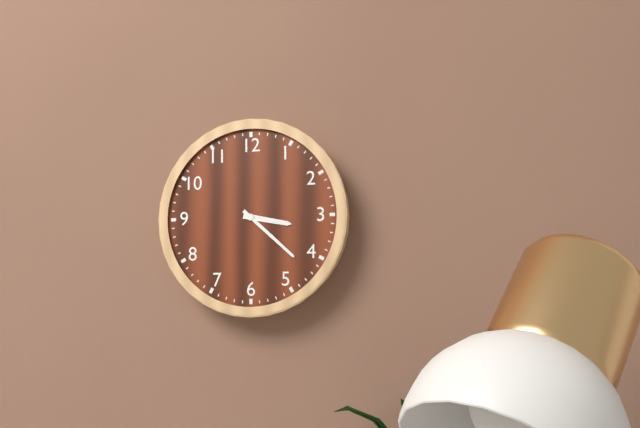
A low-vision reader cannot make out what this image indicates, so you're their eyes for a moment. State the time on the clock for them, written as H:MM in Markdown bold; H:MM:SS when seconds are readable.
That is **3:22**
